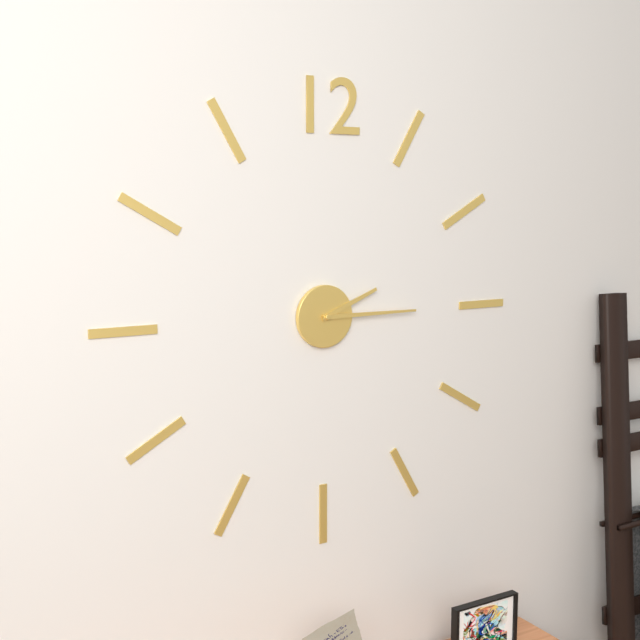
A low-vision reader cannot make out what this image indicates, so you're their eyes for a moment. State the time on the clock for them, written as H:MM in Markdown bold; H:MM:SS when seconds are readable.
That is **2:15**
